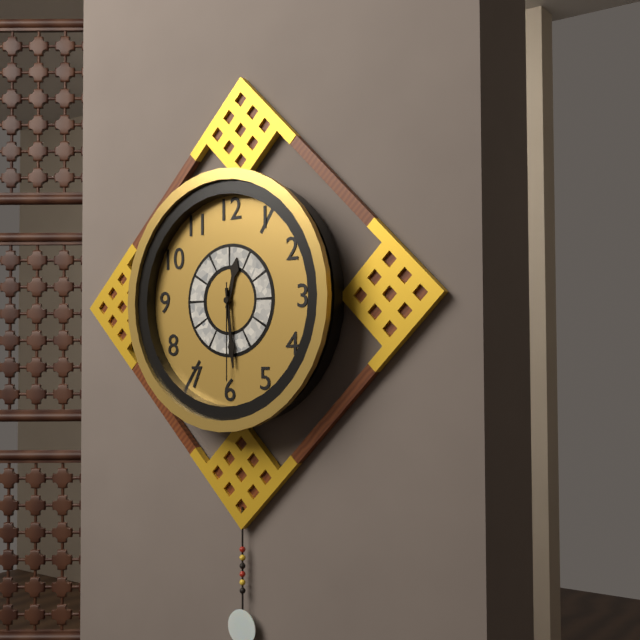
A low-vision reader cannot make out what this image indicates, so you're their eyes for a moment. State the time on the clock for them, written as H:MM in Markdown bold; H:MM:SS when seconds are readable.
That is **12:29:30**
